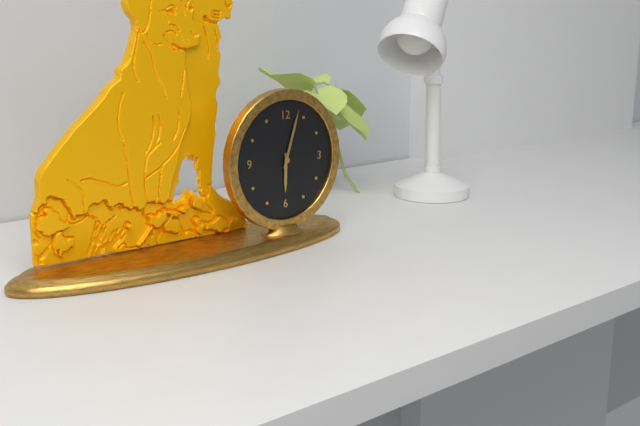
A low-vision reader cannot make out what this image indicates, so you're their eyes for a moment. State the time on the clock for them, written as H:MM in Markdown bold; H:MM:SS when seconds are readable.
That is **6:03**
